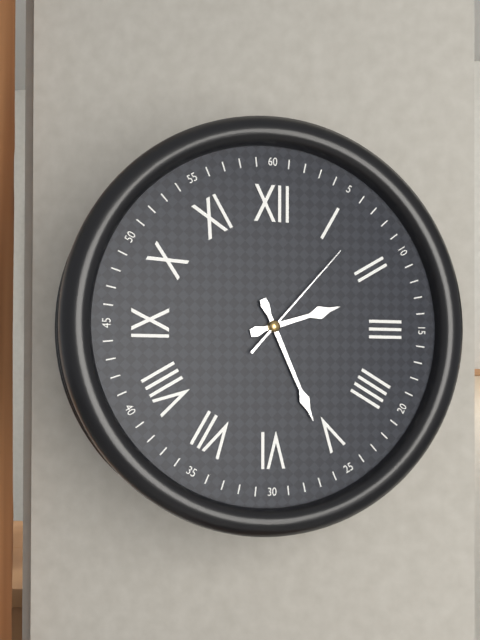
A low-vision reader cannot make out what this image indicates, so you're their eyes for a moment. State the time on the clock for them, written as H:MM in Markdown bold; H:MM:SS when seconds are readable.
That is **2:26:07**
